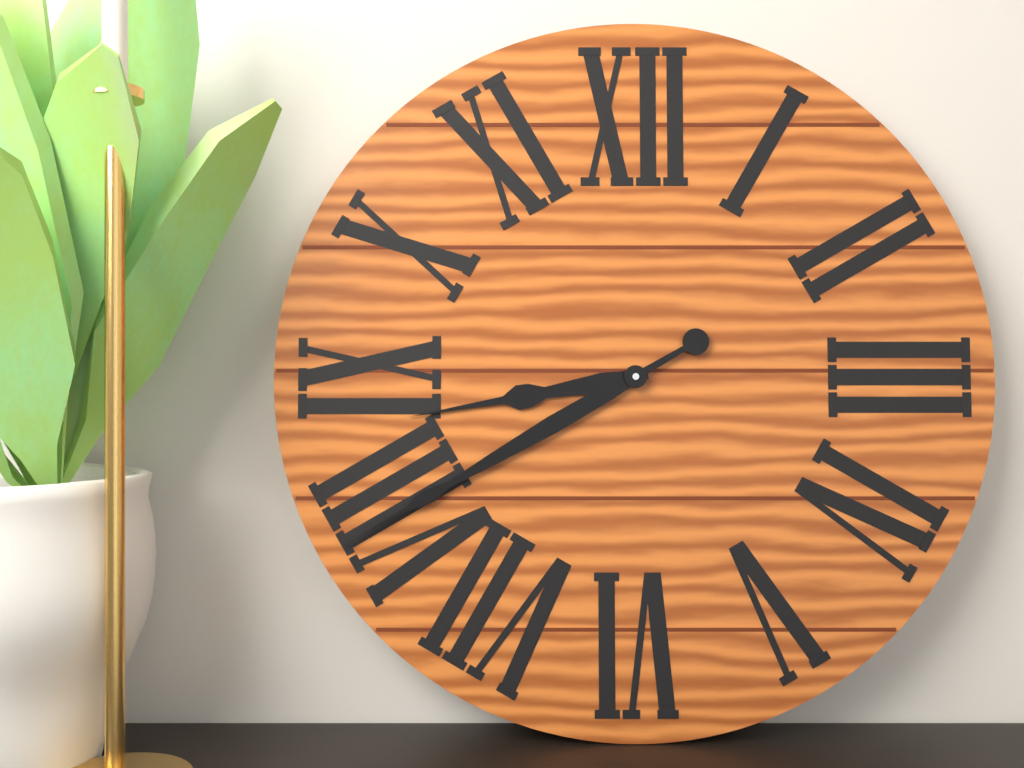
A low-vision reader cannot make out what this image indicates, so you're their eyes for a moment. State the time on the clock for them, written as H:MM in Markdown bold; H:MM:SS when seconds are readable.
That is **8:40**
